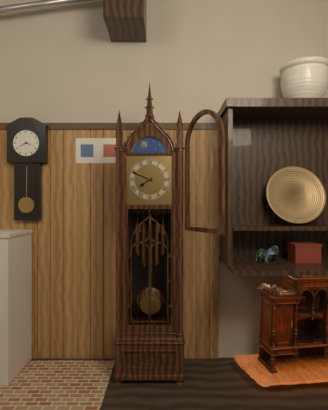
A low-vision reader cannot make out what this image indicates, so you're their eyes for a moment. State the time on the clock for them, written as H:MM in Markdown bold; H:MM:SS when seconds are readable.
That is **7:49**
